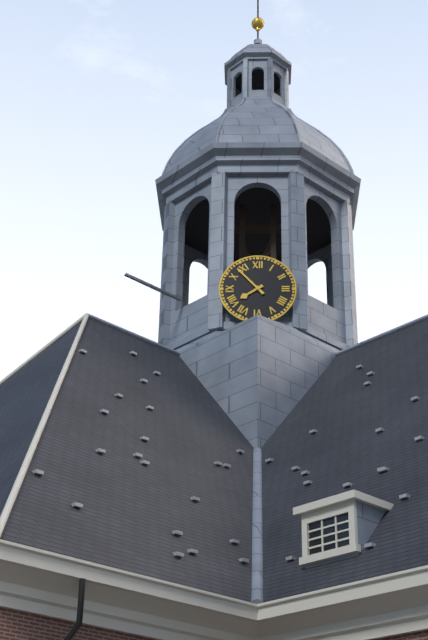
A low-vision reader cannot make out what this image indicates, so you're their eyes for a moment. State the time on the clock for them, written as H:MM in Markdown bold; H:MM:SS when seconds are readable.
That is **7:53**
